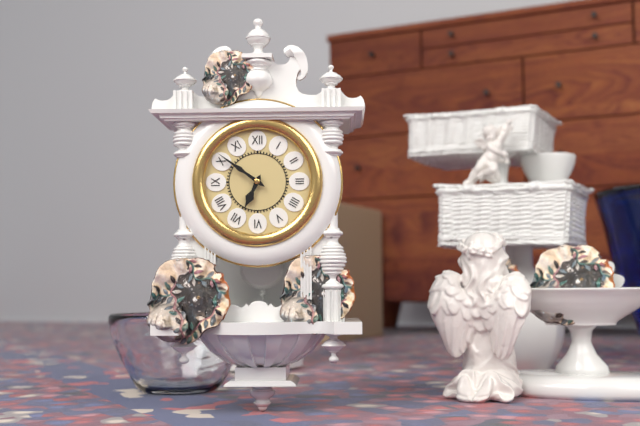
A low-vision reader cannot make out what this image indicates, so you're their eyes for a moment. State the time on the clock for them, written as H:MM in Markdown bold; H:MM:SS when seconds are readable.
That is **6:51**
